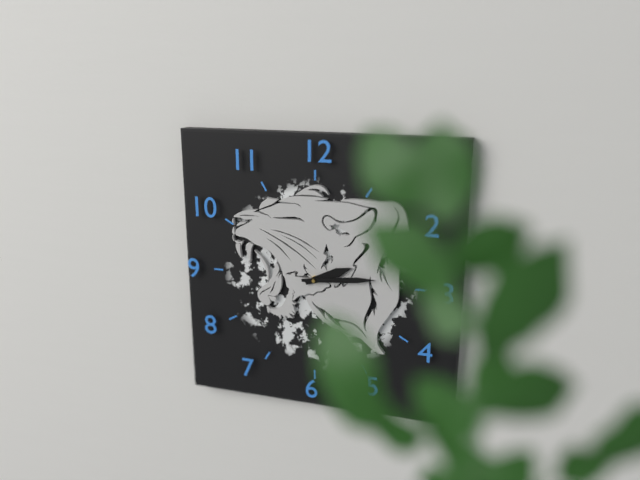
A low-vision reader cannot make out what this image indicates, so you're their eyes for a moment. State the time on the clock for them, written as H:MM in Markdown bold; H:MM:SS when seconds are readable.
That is **2:14**
